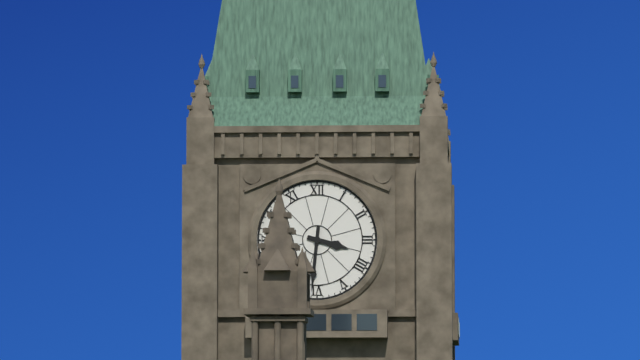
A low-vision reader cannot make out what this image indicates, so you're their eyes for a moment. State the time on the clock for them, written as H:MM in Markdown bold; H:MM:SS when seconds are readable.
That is **3:31**
